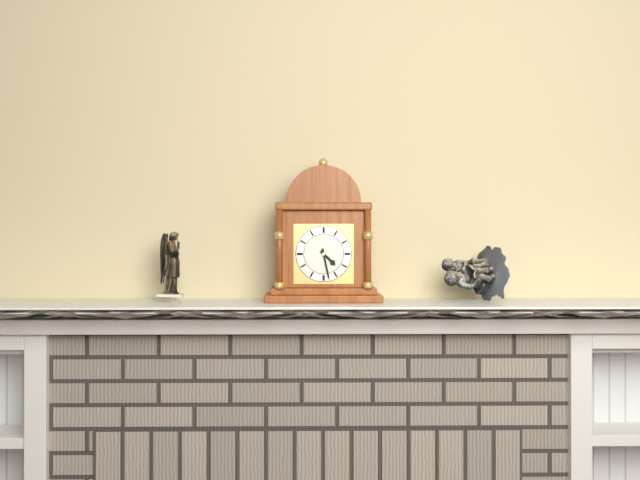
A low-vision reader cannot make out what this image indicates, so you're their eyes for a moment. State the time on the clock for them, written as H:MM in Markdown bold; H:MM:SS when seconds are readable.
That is **4:28**
